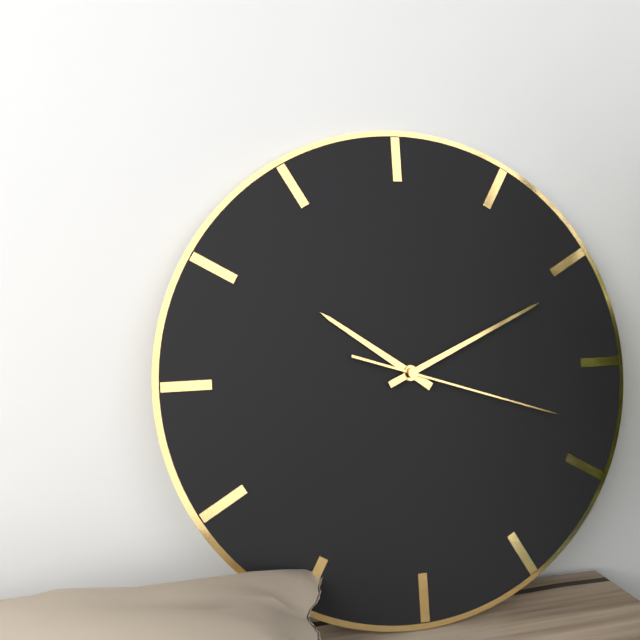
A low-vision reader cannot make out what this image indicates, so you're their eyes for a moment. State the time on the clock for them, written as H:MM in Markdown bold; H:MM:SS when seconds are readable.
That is **10:11:18**
